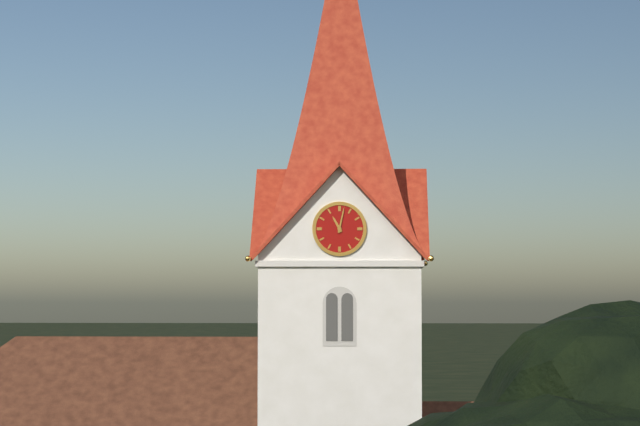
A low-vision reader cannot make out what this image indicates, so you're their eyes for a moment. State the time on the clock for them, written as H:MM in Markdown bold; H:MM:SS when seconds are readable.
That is **11:02**
